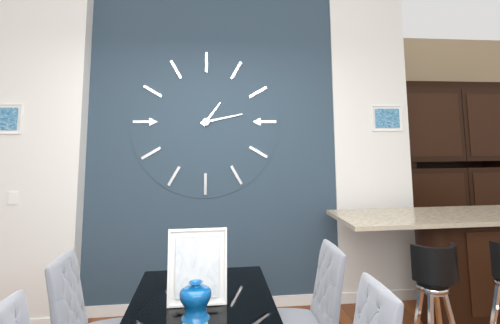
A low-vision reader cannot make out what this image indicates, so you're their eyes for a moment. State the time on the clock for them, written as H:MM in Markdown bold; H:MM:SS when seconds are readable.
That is **1:13**
